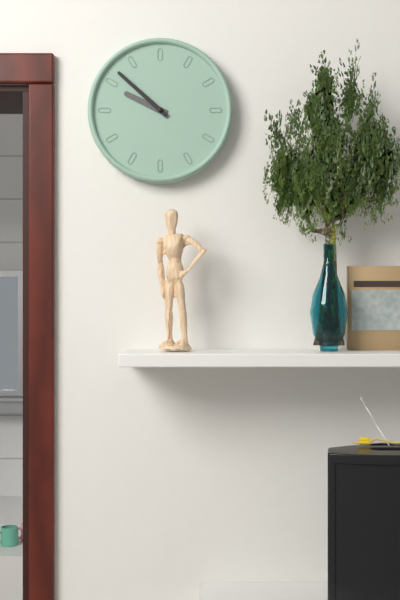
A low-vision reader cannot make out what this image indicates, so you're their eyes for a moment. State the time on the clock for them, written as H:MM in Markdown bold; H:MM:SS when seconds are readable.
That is **9:52**
